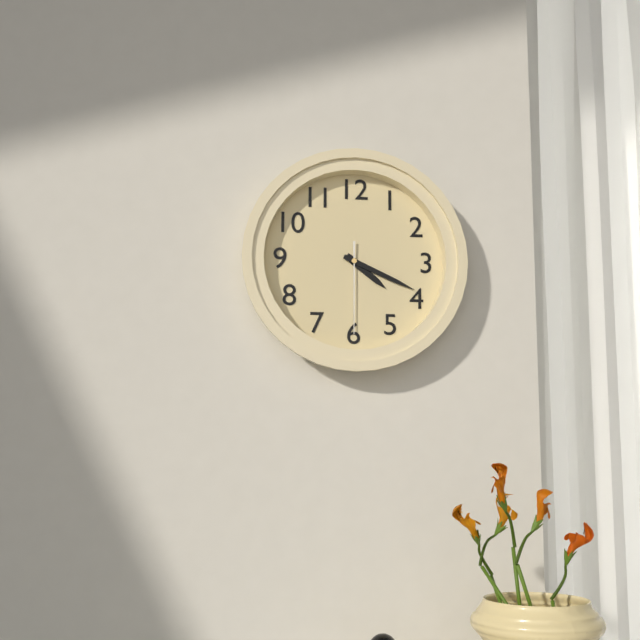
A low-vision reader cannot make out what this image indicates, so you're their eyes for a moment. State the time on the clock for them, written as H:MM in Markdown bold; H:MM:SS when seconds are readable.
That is **4:19:30**
